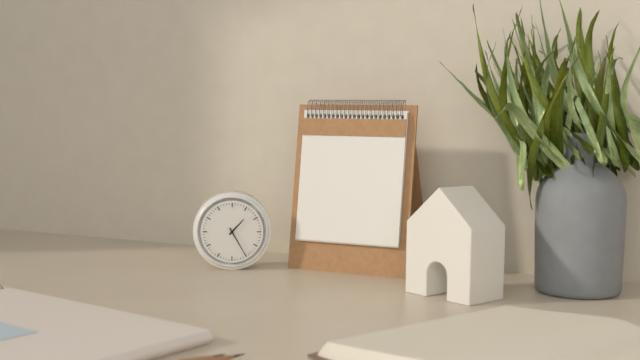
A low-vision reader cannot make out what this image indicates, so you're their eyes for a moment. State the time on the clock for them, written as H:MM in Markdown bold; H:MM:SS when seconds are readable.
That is **1:25**
